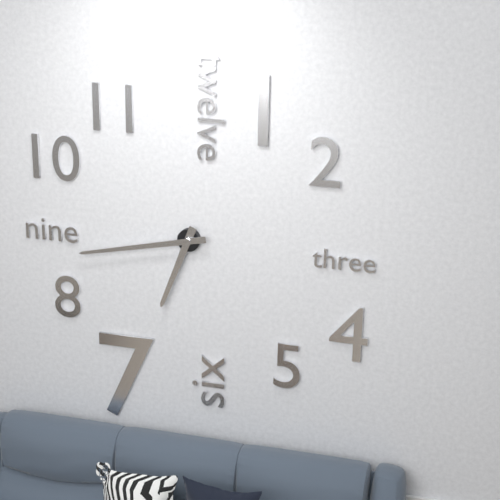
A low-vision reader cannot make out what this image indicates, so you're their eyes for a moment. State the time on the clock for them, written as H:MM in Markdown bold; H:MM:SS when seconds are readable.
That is **6:43**
